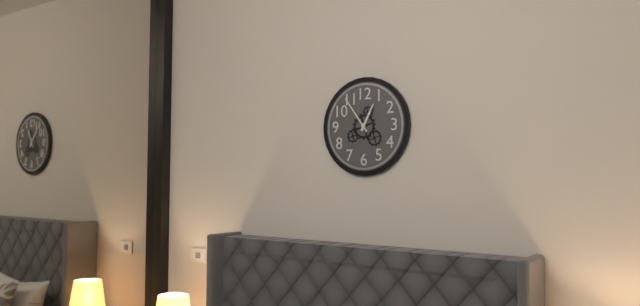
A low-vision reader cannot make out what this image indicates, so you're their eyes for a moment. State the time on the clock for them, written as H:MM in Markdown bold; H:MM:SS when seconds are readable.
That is **12:54**
